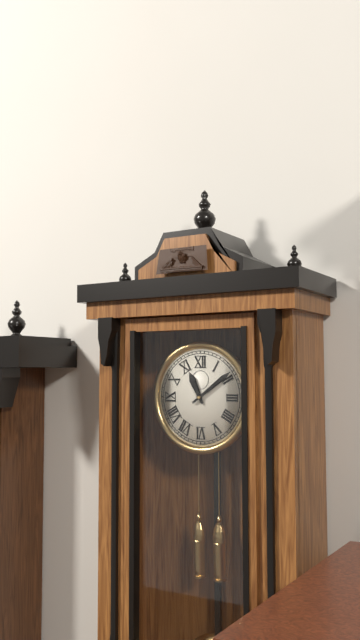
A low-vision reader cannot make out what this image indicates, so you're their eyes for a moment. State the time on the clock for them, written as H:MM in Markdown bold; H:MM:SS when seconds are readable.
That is **11:09**
